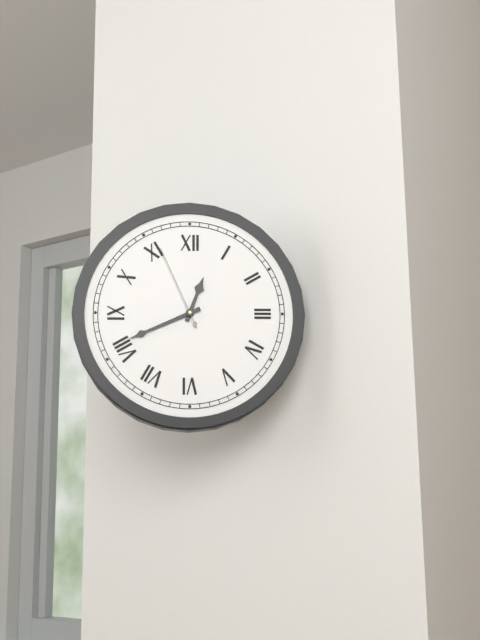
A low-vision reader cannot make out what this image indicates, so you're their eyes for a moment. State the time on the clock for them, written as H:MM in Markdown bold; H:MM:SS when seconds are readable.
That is **12:41:56**
